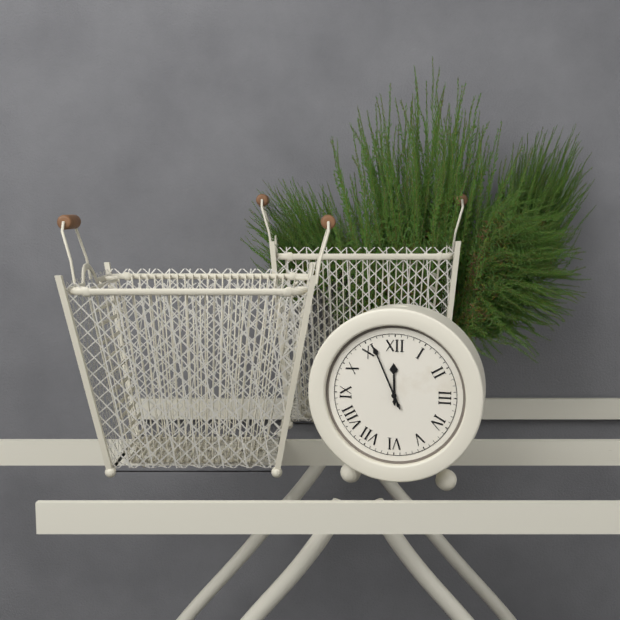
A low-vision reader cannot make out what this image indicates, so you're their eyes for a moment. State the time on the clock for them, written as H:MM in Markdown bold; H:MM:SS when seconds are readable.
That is **11:56**
